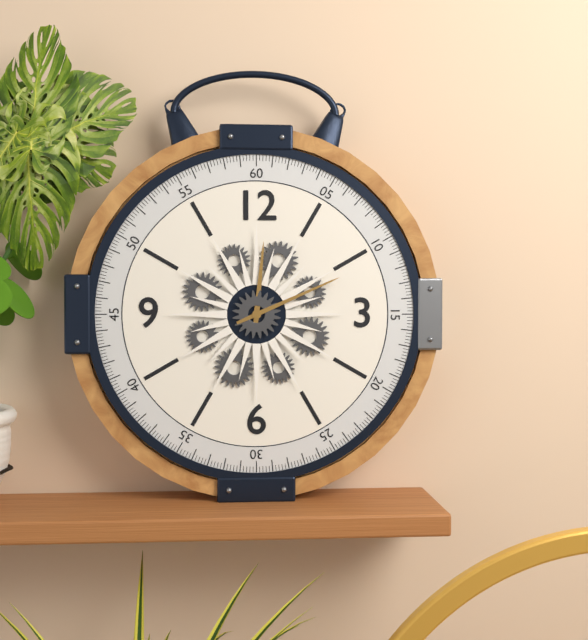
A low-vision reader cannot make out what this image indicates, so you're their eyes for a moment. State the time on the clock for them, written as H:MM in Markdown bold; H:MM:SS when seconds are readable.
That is **12:11**
